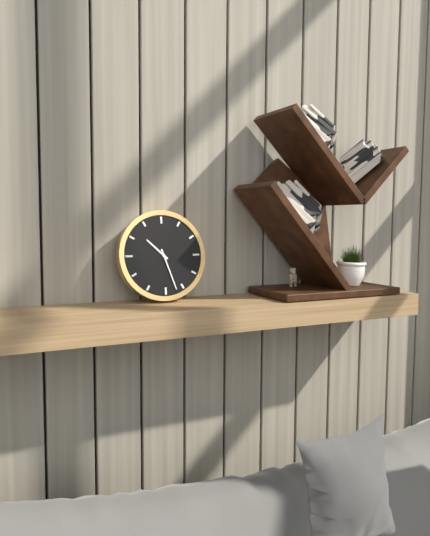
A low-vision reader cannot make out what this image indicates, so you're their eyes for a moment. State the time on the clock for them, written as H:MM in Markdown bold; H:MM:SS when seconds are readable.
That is **10:27**
